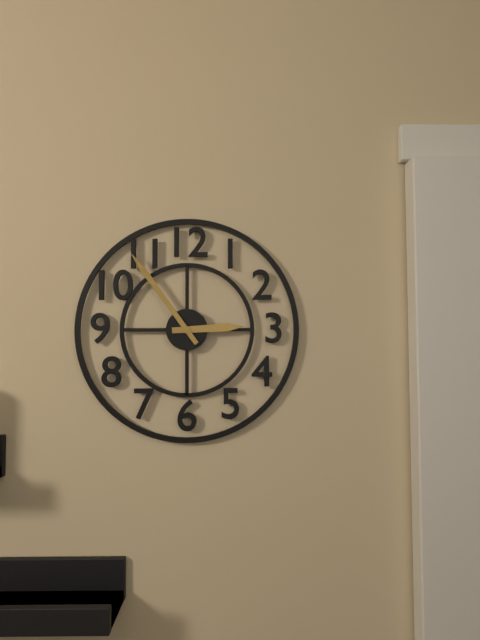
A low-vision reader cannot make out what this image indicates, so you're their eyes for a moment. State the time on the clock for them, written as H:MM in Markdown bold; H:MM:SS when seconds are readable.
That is **2:54**
